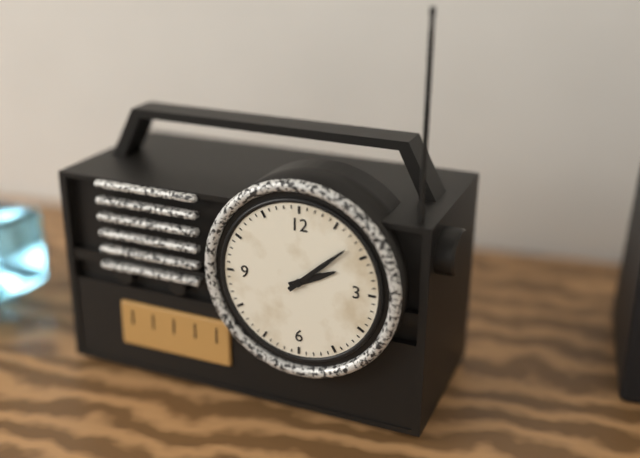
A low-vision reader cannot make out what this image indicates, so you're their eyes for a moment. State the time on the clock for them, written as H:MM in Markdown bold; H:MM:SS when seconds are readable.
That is **2:08**
